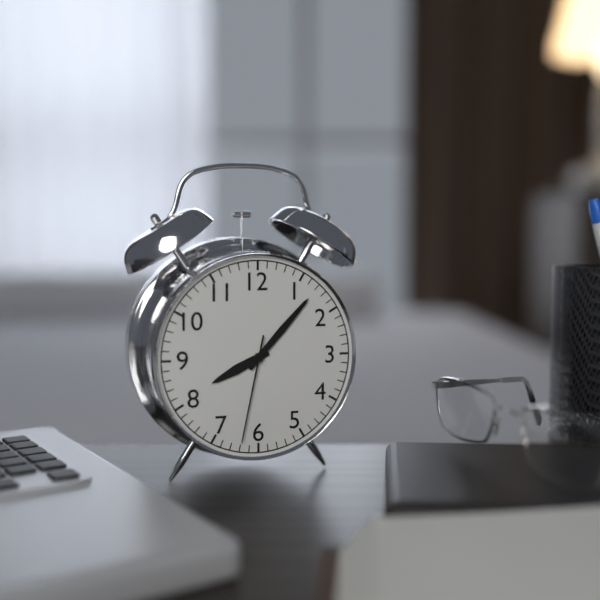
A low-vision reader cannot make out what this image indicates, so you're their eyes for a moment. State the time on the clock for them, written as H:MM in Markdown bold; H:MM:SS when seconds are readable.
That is **8:07:32**
